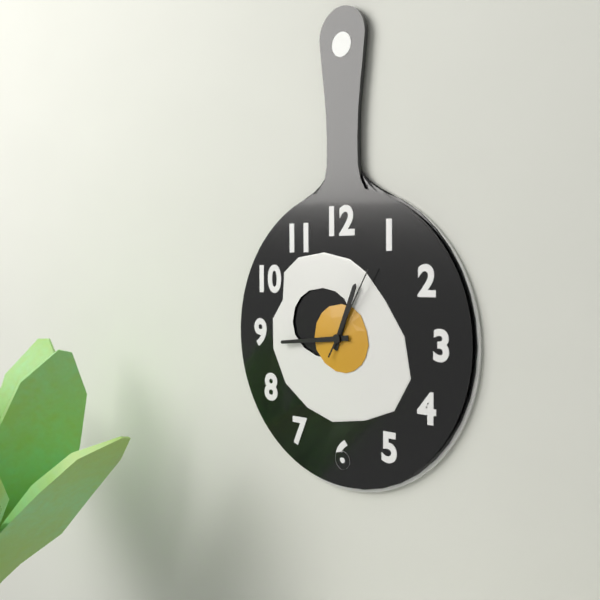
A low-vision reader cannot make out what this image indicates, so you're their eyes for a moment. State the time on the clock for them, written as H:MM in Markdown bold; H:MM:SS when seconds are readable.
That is **12:44:05**
